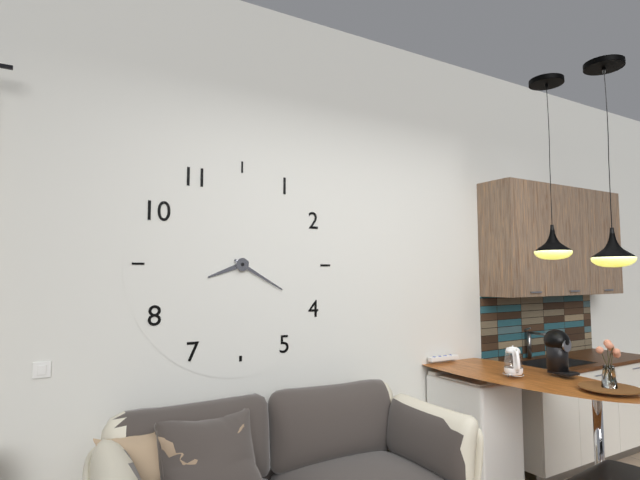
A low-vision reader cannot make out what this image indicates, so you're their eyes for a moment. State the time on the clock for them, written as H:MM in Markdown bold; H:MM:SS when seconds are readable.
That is **8:20**
